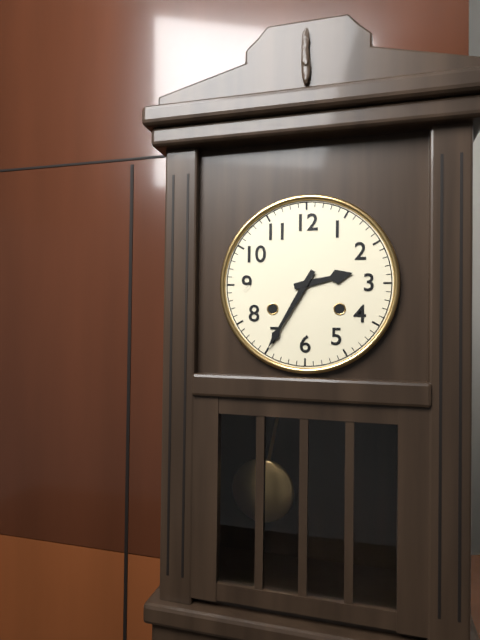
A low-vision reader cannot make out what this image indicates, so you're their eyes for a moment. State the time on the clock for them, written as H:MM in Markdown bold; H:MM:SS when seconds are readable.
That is **2:35**
